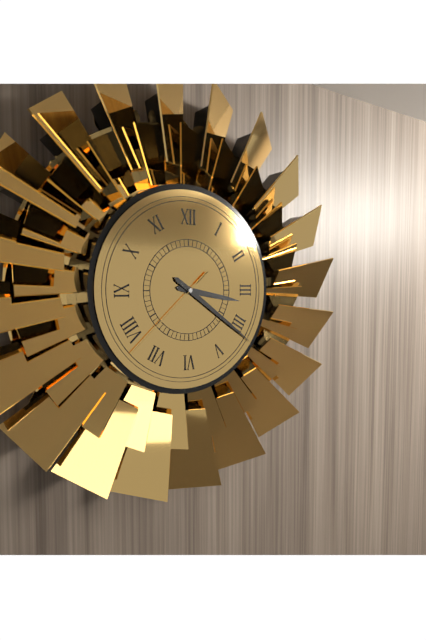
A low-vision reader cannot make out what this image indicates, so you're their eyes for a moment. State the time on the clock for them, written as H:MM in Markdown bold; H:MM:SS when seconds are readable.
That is **3:21:38**
